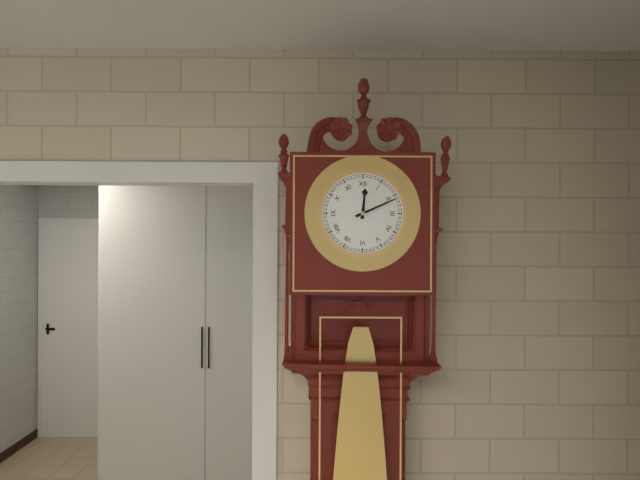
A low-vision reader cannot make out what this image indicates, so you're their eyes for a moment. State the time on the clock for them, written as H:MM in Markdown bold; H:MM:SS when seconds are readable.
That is **12:11**
